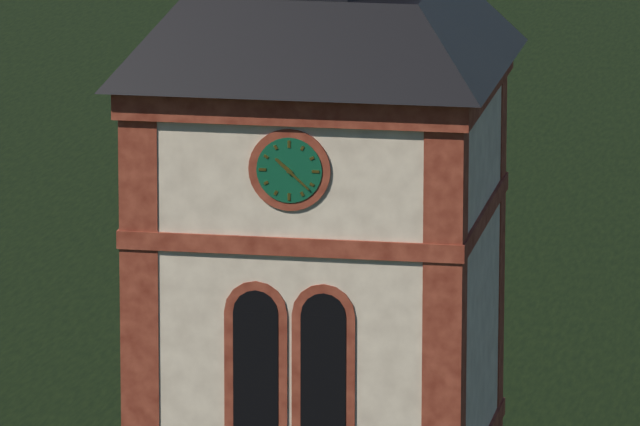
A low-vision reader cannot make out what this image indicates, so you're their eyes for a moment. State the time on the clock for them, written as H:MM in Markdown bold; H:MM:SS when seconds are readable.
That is **10:22**
